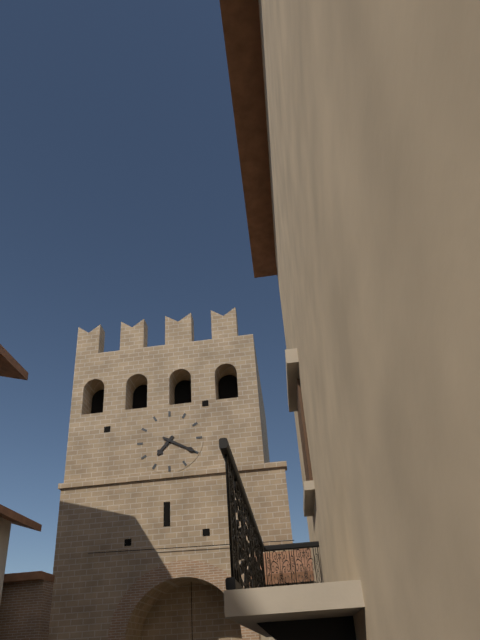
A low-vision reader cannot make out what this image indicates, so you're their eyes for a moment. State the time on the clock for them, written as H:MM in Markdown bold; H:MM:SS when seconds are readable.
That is **7:20**
